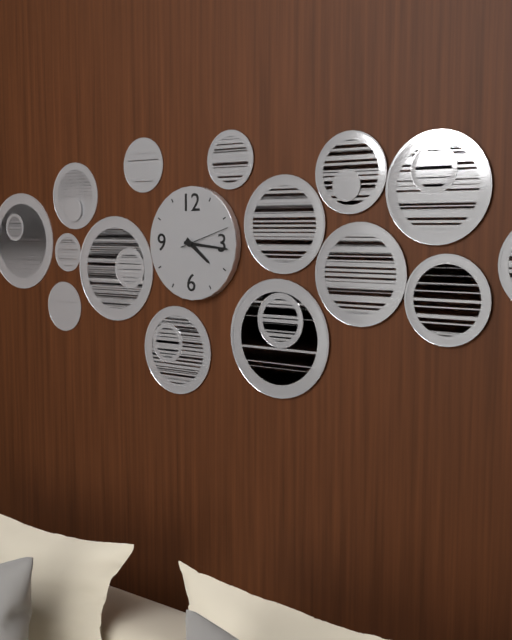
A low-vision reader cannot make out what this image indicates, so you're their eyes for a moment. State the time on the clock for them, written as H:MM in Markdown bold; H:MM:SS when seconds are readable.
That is **4:16:12**
